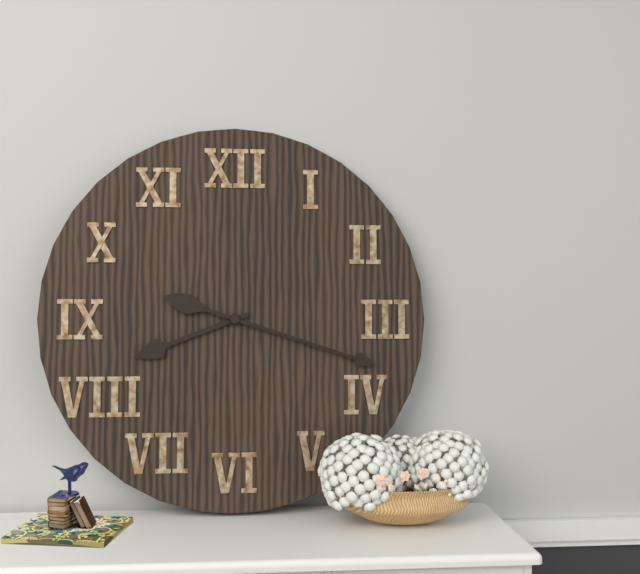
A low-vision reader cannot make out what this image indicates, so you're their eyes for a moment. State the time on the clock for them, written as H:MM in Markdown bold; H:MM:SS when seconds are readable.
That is **8:18**
